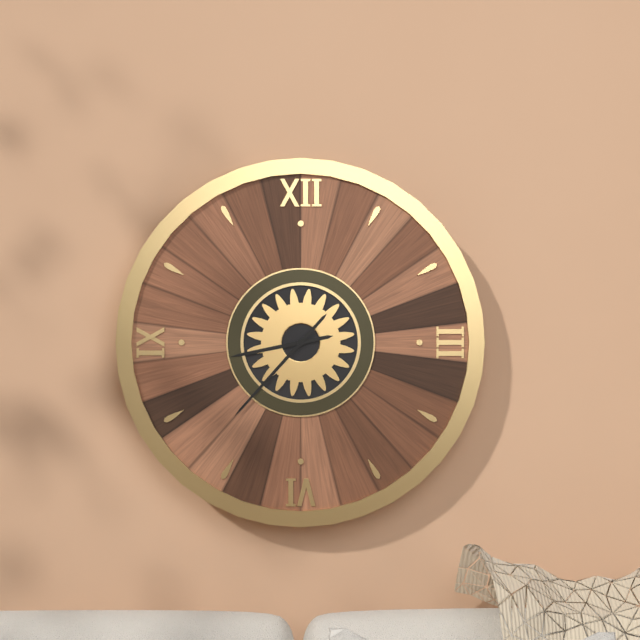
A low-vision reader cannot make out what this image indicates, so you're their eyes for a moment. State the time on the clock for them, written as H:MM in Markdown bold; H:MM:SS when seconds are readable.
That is **8:37**
